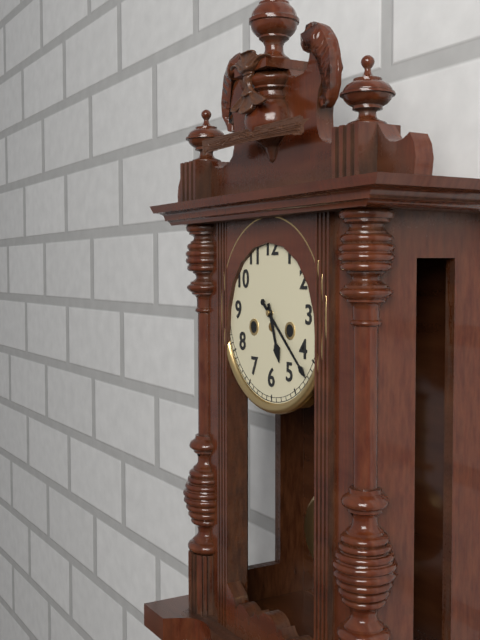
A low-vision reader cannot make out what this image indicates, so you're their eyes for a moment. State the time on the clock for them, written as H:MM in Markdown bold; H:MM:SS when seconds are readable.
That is **5:22**
